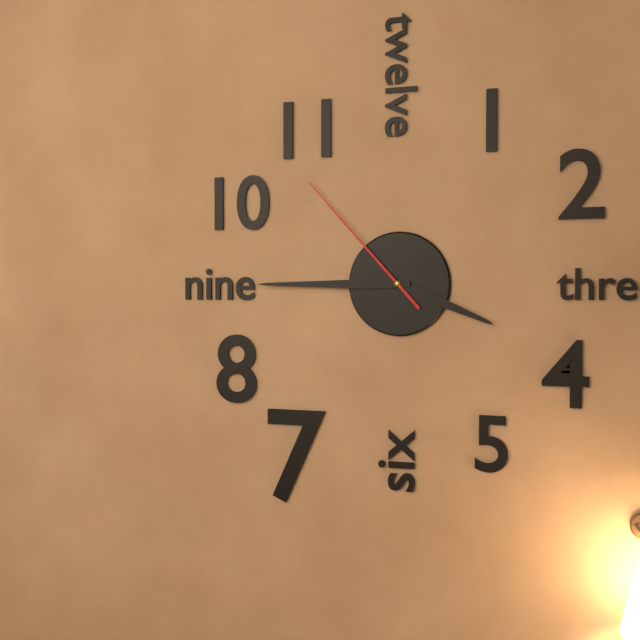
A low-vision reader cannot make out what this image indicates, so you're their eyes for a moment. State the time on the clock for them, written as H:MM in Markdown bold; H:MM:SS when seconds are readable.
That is **3:45:53**
